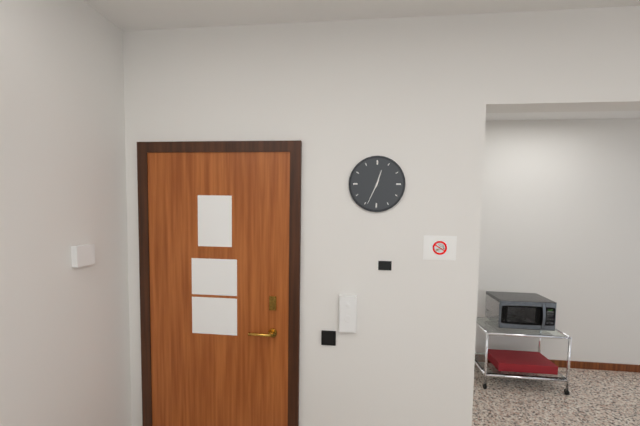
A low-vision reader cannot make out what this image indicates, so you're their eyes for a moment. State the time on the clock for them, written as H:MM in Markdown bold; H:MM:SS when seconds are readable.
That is **12:34**
